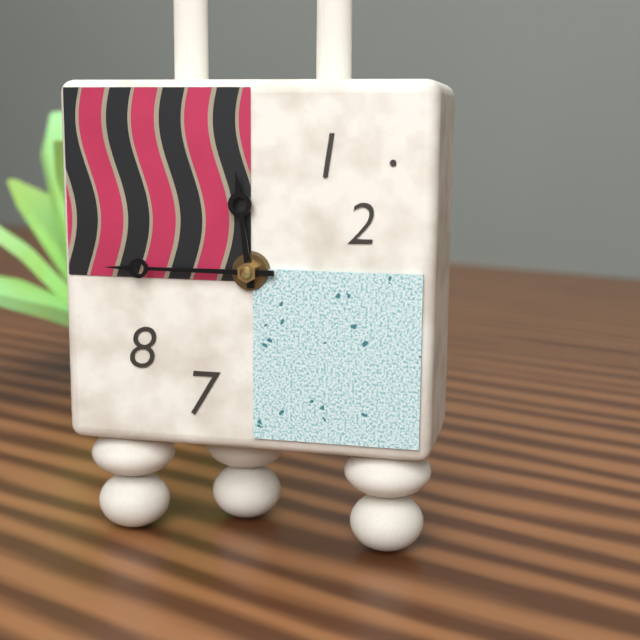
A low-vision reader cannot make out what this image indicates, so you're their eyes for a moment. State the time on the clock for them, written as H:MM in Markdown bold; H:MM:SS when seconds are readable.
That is **11:45**
